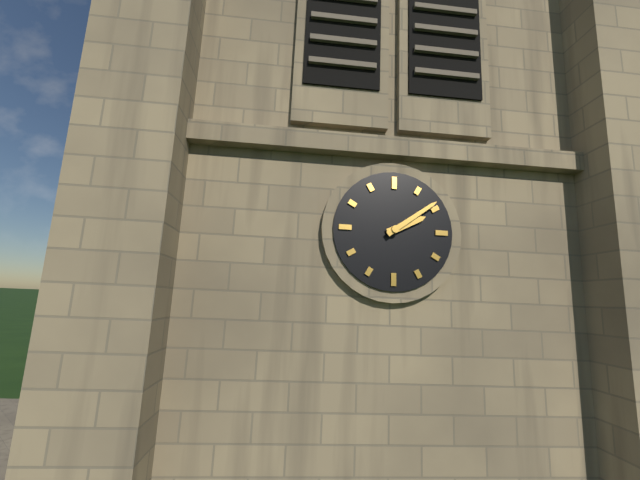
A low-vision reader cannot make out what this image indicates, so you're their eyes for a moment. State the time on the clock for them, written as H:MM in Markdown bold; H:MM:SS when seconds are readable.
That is **2:09**
